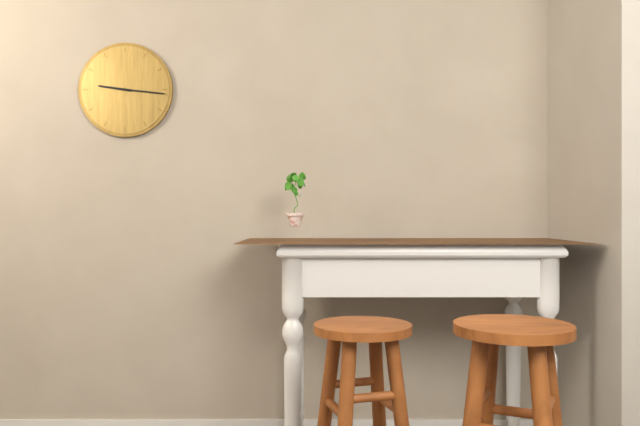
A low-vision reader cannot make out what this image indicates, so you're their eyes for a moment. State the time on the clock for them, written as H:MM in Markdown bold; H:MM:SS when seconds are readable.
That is **9:16**
